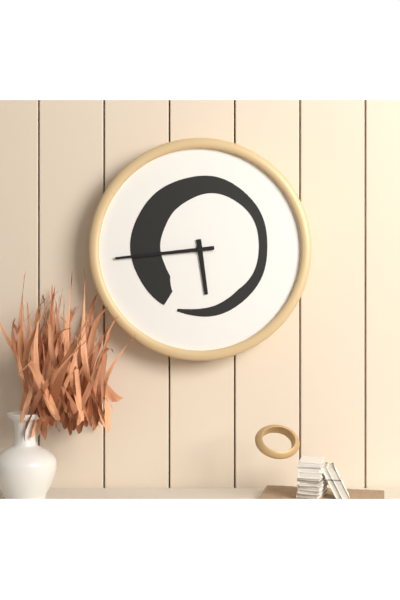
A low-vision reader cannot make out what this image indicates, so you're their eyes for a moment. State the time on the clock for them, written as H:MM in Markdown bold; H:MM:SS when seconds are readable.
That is **5:44**
